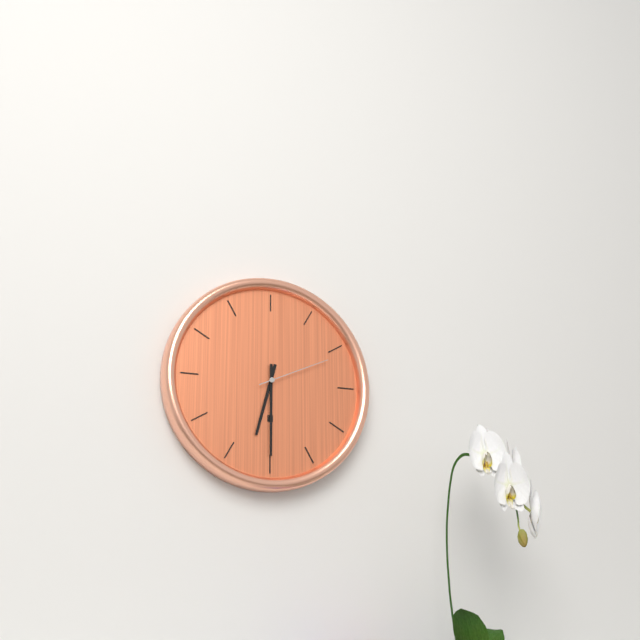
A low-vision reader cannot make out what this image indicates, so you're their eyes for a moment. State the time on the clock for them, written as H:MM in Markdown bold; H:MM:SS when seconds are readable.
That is **6:30:11**
